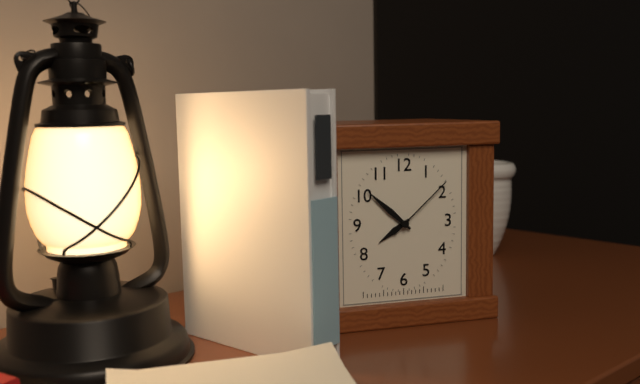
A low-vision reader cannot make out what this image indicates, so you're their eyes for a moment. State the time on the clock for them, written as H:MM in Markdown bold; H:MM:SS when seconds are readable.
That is **7:52:08**
